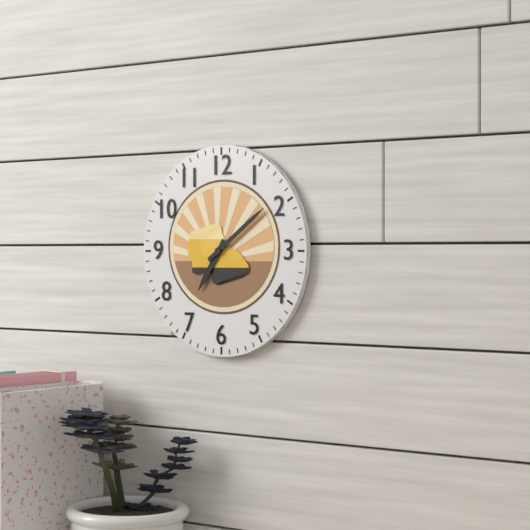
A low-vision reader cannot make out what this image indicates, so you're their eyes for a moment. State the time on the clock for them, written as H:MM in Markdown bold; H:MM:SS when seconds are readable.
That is **7:09**
